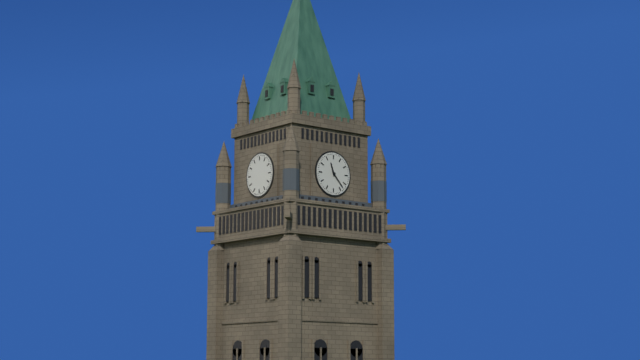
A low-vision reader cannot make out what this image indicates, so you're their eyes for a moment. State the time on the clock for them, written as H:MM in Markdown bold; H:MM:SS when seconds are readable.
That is **11:23**
